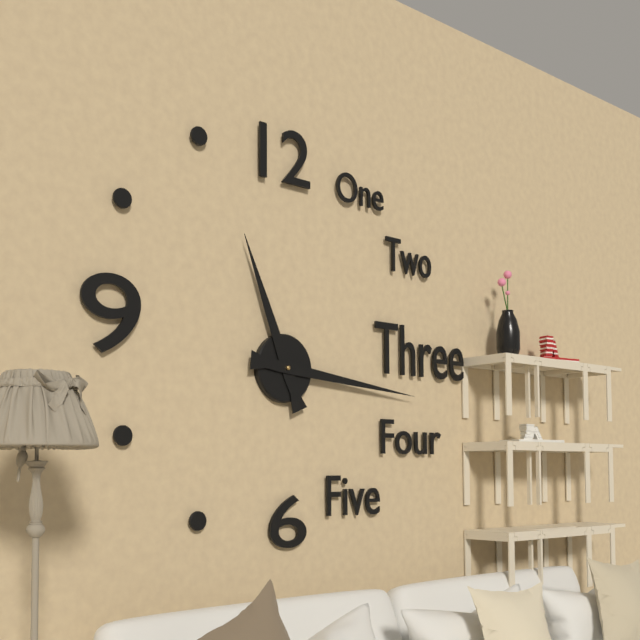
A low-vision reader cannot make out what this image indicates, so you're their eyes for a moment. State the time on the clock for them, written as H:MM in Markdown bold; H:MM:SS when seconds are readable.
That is **11:16**
